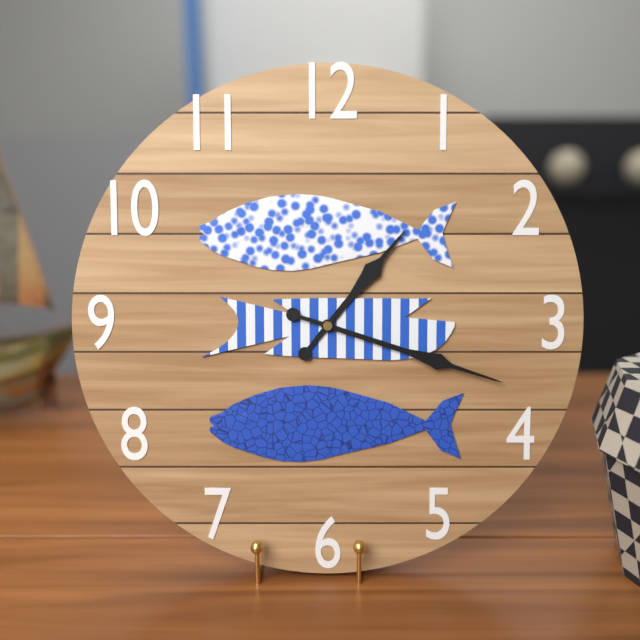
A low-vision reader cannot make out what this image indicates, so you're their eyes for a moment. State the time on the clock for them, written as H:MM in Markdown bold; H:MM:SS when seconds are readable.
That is **1:18**
